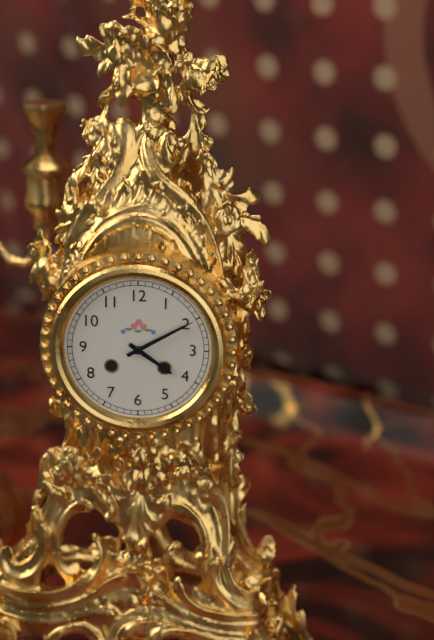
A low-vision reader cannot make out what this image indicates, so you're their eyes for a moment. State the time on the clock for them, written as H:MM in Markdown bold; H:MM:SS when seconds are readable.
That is **4:10**
